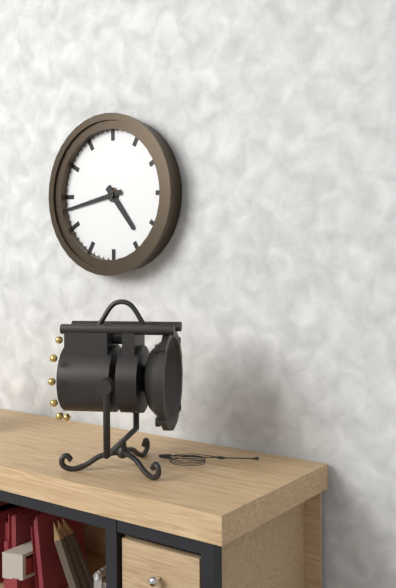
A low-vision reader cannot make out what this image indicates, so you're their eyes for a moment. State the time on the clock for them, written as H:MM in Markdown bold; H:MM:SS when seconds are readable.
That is **4:43**
